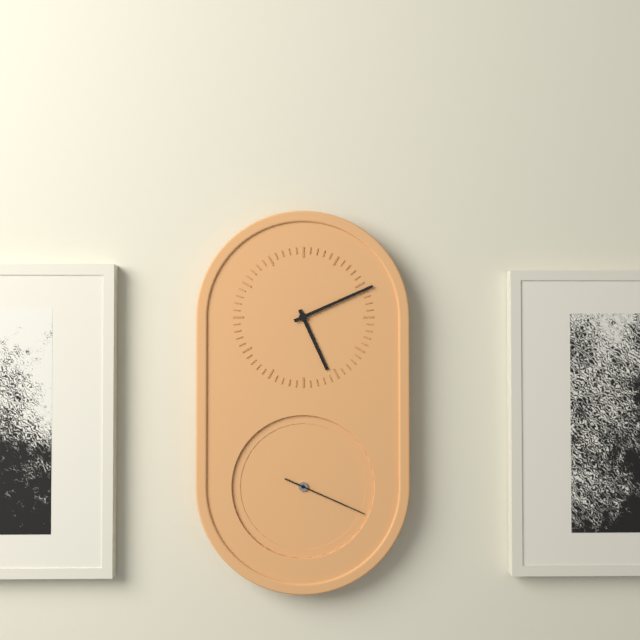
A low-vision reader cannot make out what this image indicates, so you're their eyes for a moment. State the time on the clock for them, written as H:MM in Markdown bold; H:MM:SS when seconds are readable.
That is **5:11:19**
